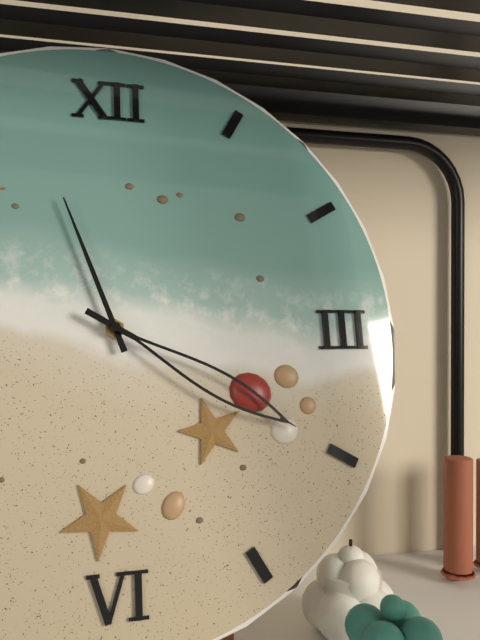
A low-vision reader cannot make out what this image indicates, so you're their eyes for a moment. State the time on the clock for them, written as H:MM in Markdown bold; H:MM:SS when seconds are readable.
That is **11:20**
